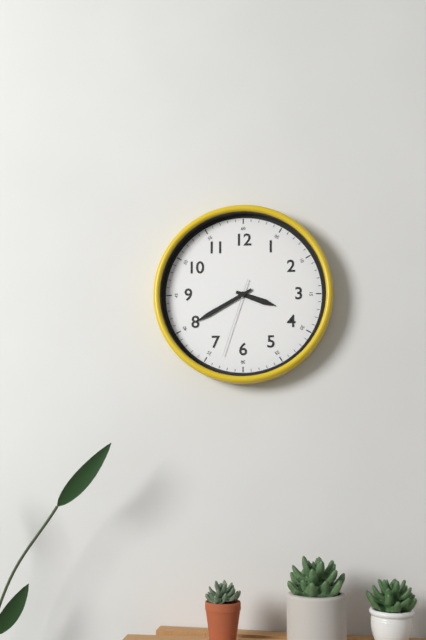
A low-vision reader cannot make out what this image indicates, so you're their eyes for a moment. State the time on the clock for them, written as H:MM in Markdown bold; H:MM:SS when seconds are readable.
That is **3:40:33**
